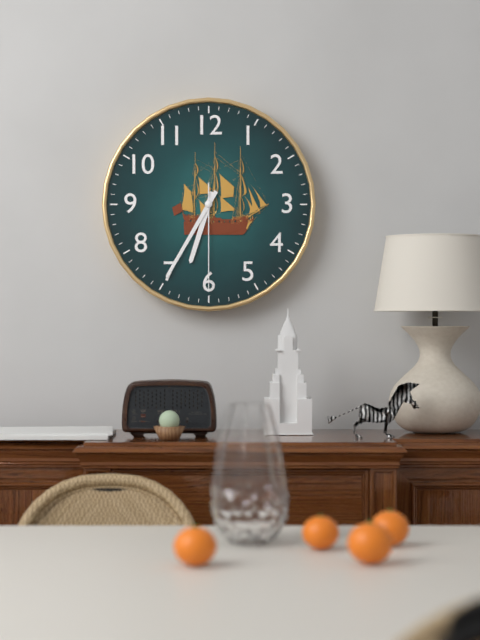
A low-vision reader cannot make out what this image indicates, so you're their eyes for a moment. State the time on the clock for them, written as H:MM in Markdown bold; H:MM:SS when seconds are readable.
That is **6:35:30**
